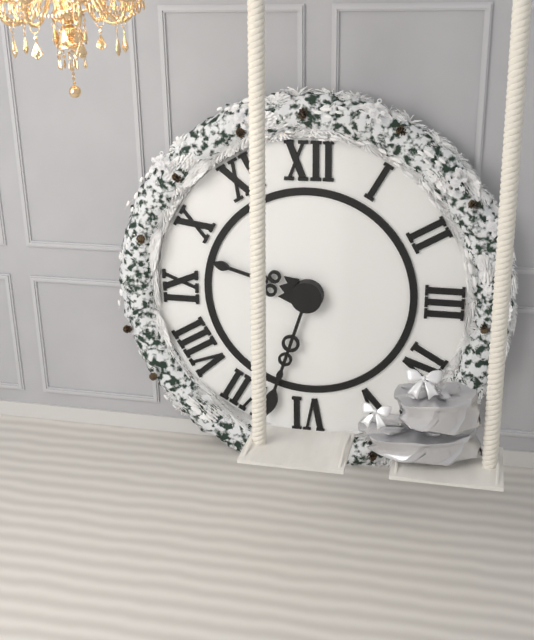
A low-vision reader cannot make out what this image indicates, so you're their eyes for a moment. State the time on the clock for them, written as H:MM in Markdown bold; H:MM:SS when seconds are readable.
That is **9:33**
